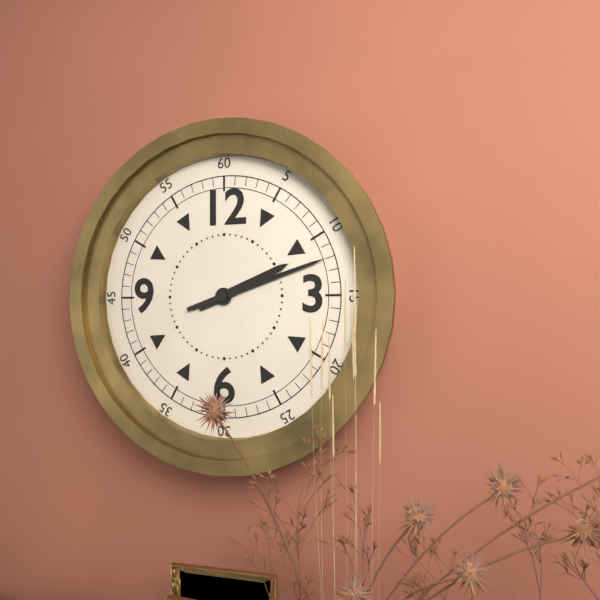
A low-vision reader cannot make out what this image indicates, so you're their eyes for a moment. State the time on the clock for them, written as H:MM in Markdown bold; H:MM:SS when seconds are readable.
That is **2:12**
